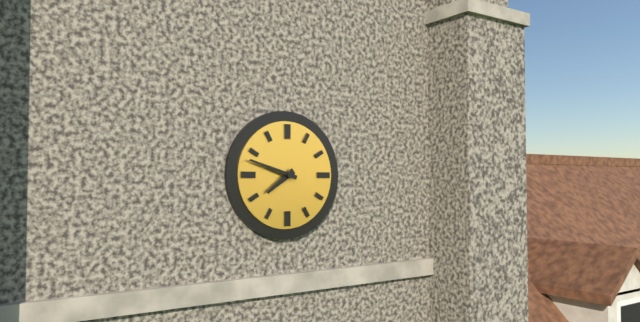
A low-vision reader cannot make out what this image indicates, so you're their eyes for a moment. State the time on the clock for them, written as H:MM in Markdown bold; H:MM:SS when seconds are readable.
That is **7:48**
